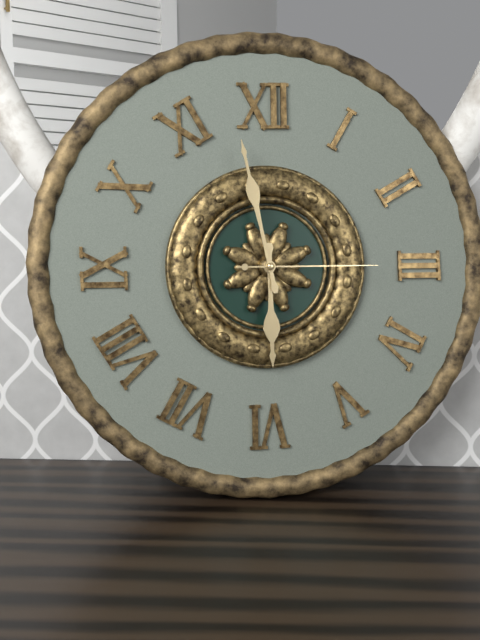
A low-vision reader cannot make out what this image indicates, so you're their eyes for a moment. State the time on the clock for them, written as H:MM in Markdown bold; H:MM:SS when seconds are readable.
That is **5:58:15**
